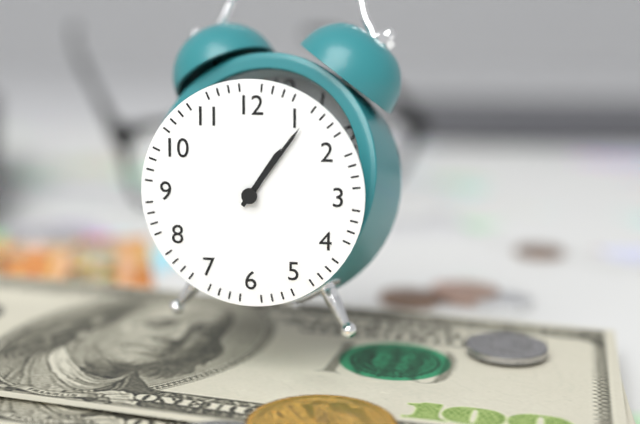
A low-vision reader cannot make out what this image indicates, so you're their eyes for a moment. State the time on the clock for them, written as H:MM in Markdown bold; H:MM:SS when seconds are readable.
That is **1:06**
